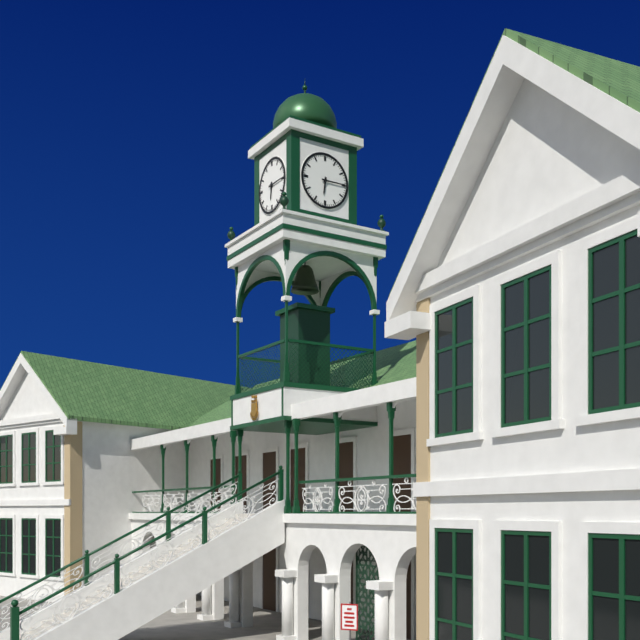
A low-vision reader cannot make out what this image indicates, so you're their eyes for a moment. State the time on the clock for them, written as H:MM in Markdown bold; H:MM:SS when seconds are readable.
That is **6:15**
